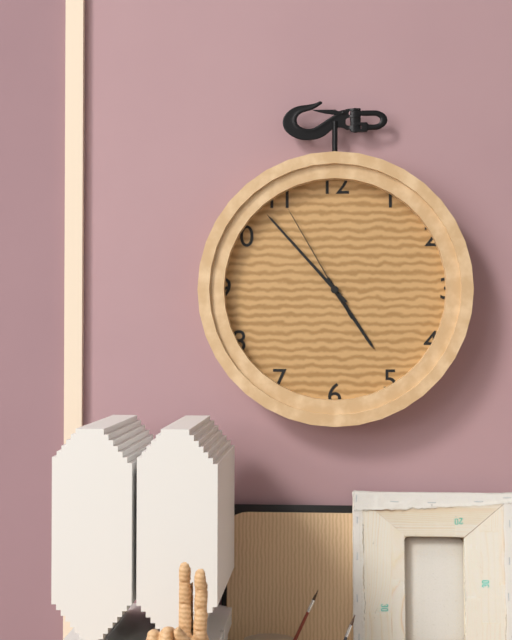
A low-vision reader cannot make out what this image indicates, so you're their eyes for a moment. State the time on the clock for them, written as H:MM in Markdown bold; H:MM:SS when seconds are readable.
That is **4:53:55**
